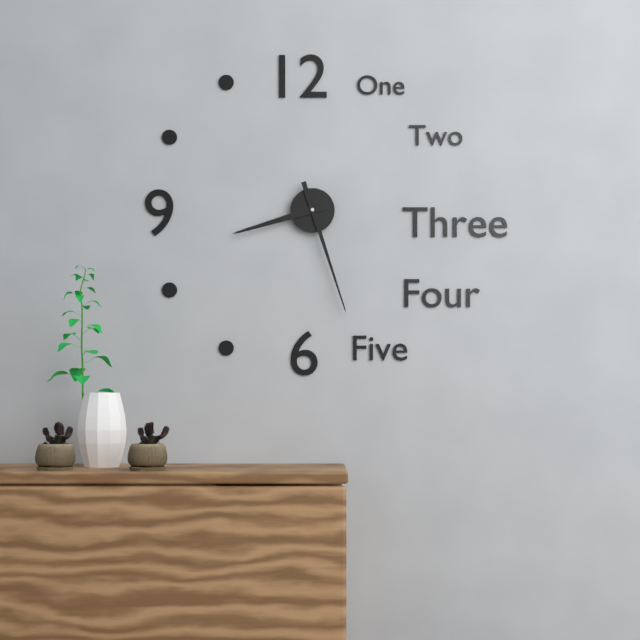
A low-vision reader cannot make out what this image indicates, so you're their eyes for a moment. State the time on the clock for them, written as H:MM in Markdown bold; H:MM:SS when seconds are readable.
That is **8:27**
